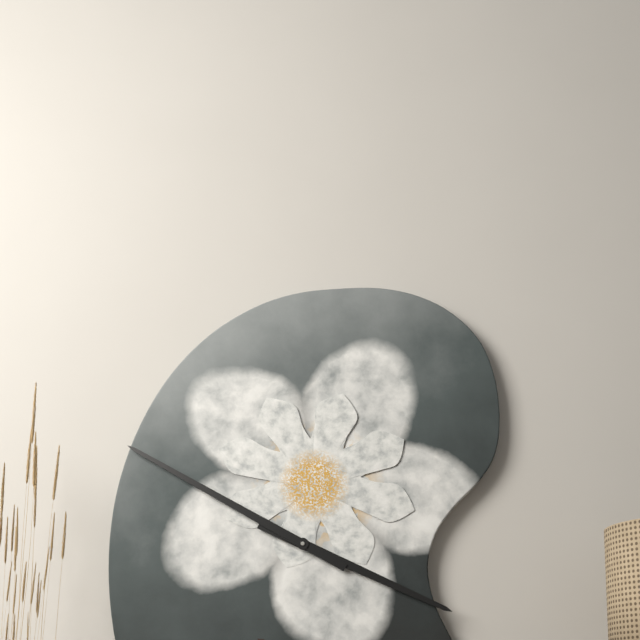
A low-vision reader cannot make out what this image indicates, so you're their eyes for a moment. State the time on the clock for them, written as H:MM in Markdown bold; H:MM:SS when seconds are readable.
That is **3:50**
